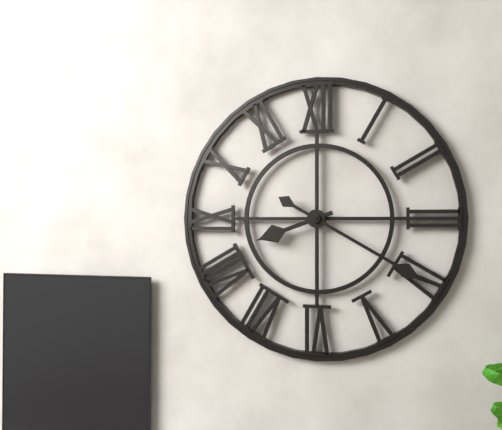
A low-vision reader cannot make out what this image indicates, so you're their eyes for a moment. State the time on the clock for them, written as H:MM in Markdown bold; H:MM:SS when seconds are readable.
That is **8:20**
